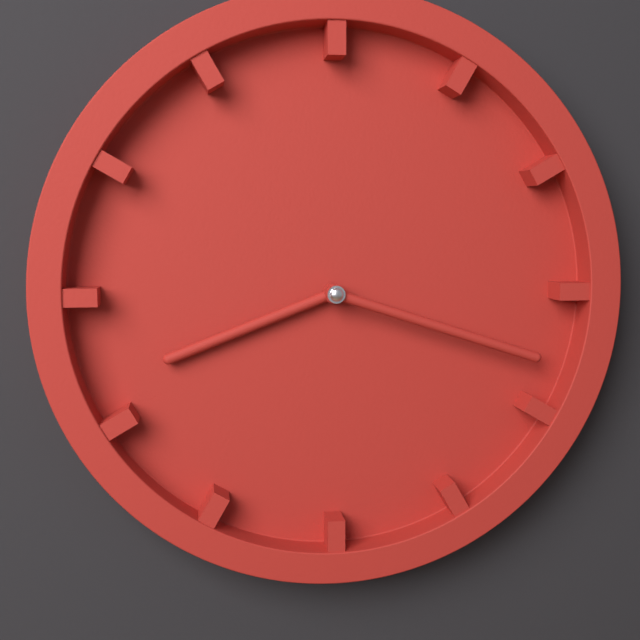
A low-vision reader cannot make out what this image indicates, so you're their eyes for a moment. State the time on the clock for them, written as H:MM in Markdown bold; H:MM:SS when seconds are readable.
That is **8:18**
